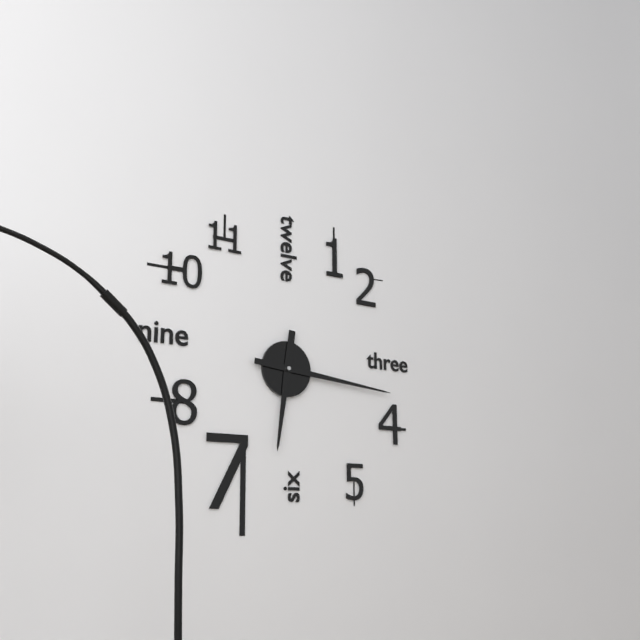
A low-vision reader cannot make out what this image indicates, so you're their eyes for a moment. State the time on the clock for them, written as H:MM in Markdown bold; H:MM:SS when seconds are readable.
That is **6:16**
